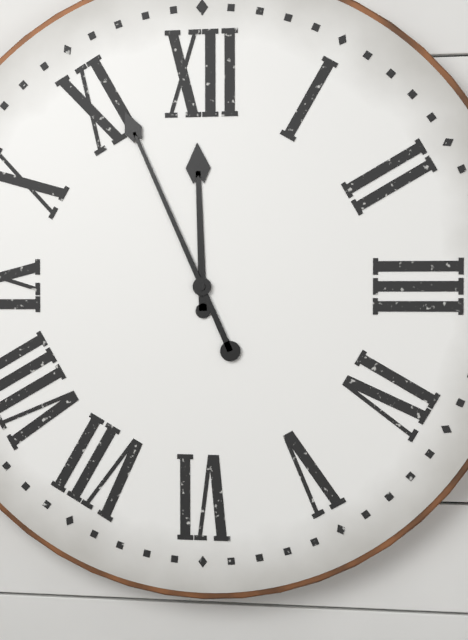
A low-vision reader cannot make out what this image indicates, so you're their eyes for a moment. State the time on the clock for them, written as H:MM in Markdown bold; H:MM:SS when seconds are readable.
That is **11:56**
